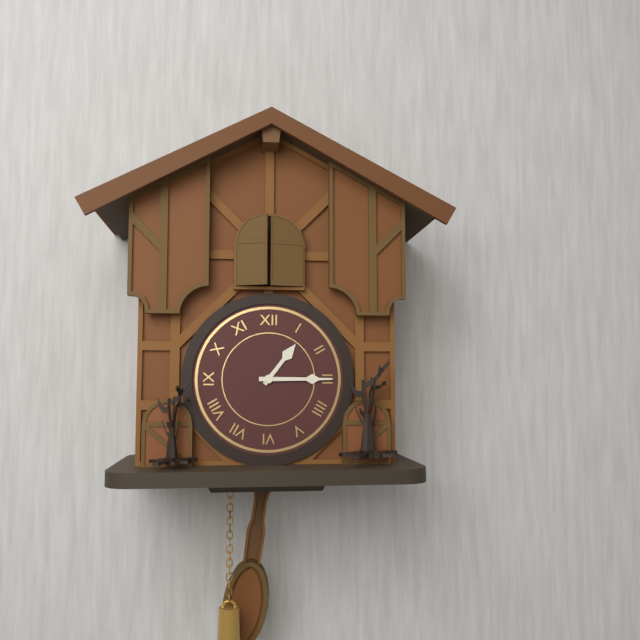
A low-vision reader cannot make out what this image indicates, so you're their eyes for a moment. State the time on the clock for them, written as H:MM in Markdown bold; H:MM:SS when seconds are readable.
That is **1:15**
